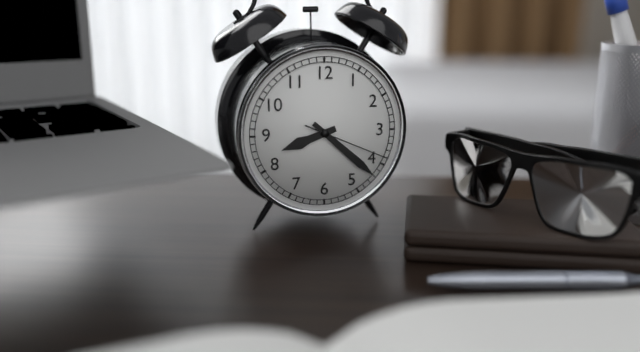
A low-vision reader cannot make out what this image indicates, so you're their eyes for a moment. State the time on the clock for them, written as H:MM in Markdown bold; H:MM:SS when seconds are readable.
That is **8:22:19**
